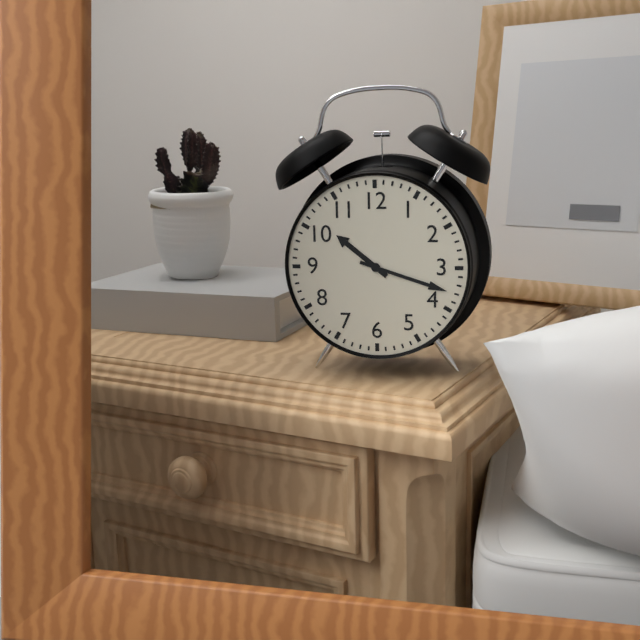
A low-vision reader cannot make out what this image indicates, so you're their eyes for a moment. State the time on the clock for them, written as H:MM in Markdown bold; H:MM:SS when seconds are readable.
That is **10:18**
